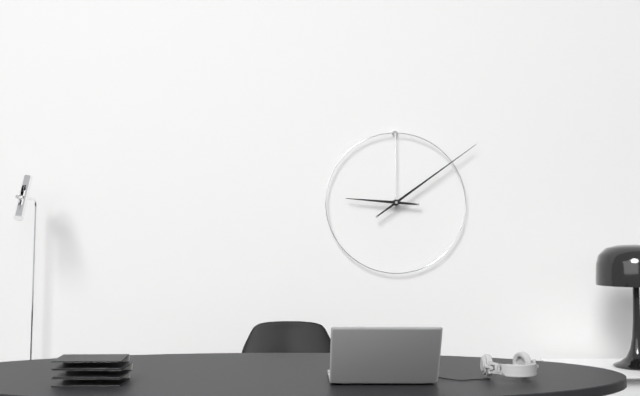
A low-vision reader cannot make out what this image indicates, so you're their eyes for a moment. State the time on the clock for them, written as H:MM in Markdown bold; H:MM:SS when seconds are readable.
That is **9:09**
